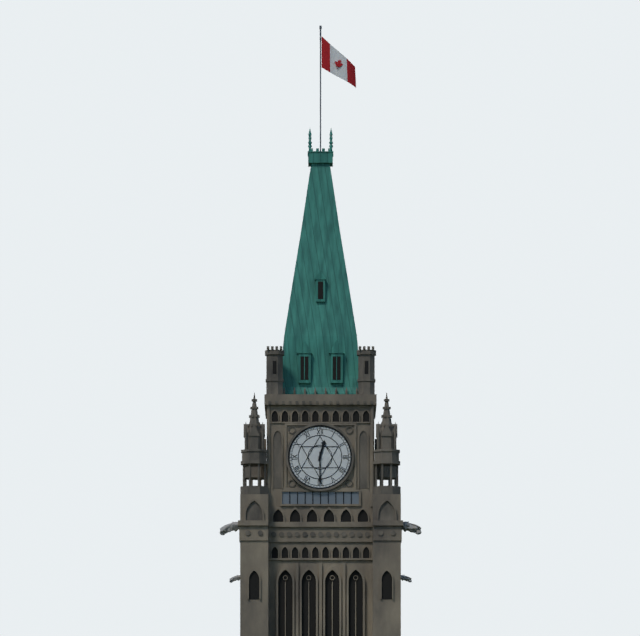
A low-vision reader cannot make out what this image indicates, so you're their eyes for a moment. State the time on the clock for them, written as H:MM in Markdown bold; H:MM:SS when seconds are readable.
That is **12:30**
